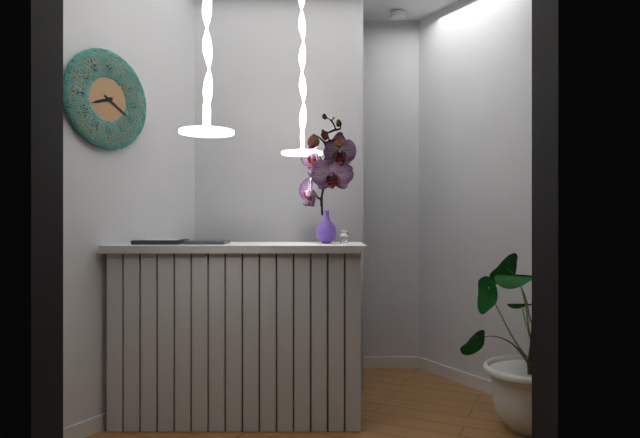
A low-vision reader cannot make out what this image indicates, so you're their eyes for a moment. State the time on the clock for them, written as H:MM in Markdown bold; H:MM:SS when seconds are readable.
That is **8:20**
